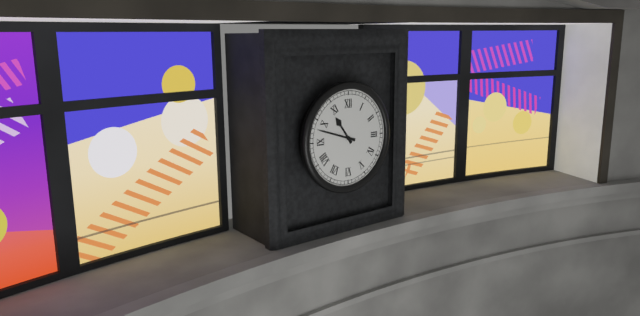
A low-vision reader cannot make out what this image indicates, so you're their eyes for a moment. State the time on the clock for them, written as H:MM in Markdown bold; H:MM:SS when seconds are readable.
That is **10:48**
